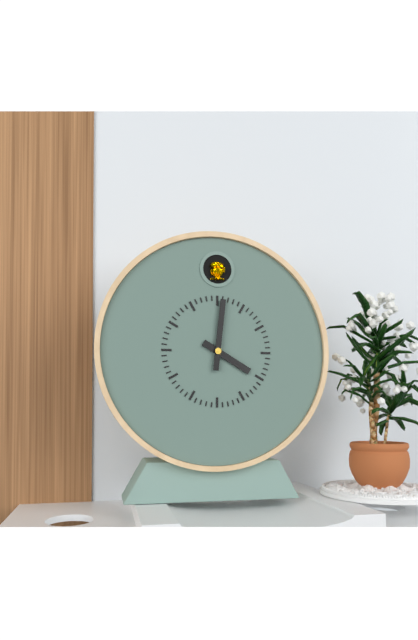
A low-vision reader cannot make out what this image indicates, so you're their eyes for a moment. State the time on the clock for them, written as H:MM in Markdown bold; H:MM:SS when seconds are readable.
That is **4:01**
